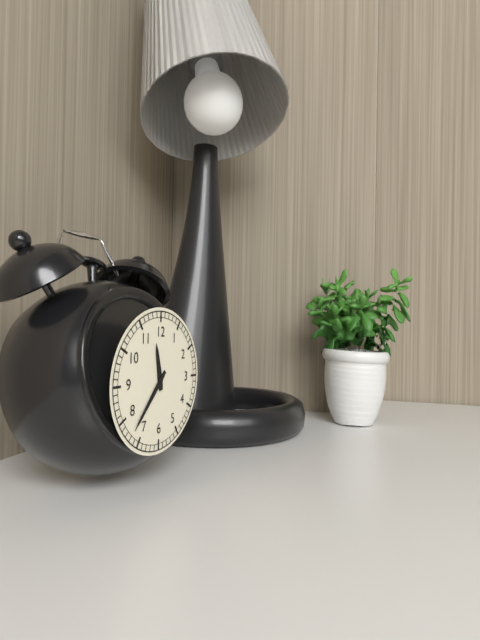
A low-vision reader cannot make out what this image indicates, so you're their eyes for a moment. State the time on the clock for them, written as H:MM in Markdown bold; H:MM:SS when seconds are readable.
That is **11:37**
